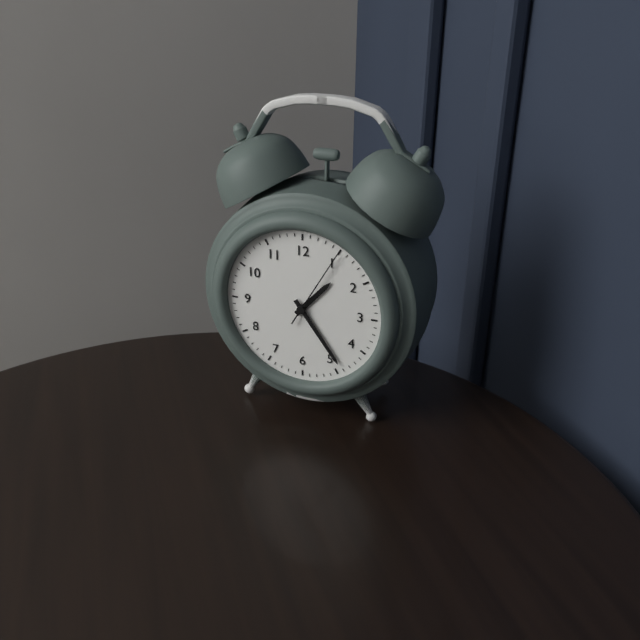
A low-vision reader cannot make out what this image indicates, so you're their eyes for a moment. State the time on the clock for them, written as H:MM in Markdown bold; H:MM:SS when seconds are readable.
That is **1:24:05**
